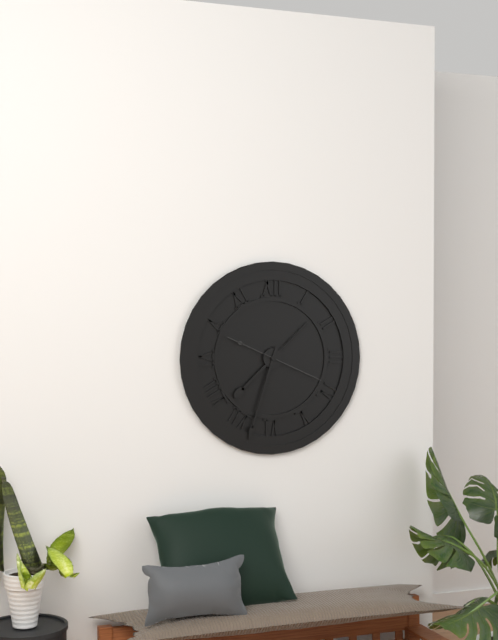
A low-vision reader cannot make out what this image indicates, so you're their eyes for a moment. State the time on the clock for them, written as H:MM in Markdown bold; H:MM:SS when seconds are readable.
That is **7:33:19**
